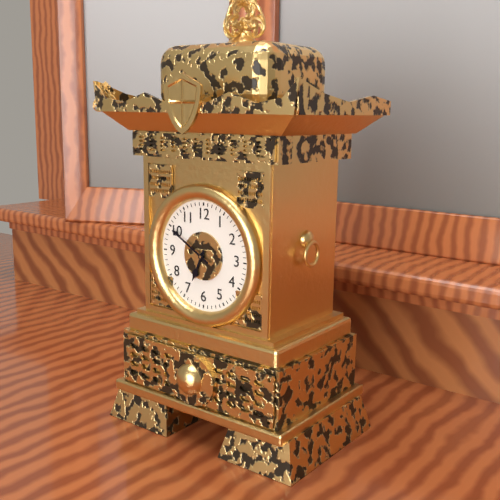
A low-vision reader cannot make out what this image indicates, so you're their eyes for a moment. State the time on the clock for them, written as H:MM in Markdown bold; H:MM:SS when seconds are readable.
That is **6:50**
